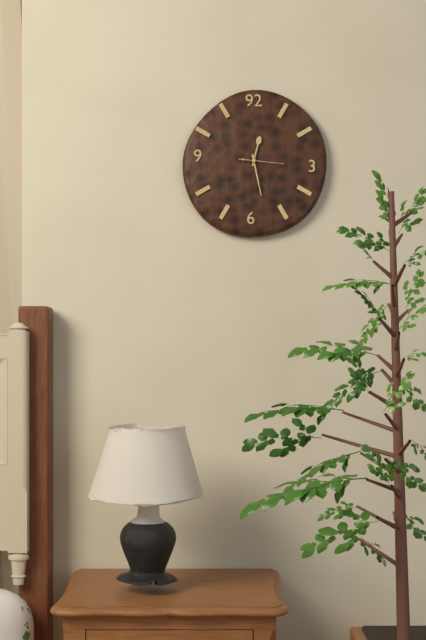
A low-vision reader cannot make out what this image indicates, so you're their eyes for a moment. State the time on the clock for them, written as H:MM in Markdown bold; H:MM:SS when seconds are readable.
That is **12:28**
